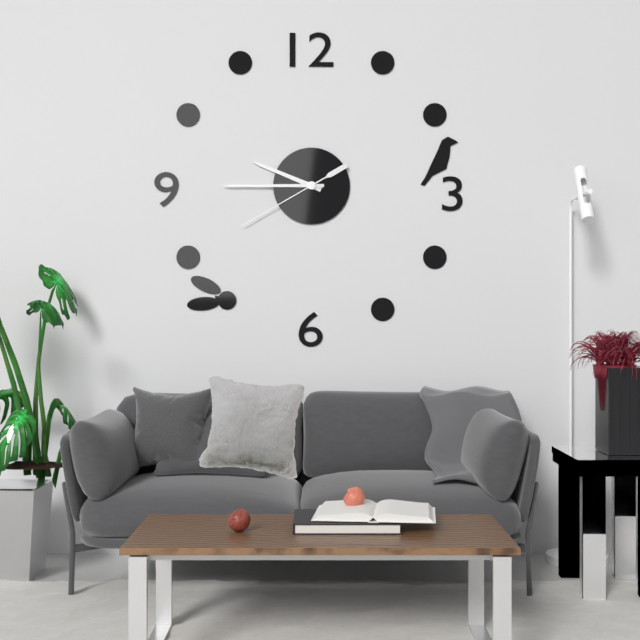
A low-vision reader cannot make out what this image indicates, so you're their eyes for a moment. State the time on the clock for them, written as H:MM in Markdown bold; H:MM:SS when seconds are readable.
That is **9:45:40**
